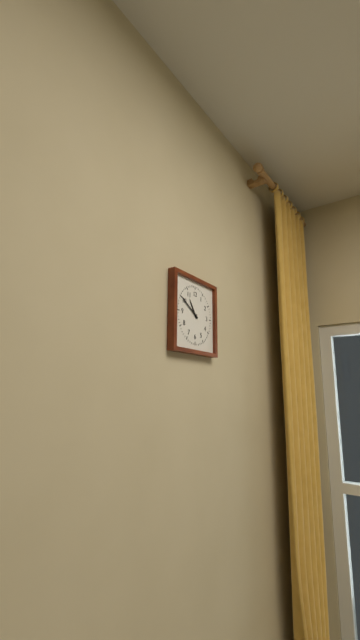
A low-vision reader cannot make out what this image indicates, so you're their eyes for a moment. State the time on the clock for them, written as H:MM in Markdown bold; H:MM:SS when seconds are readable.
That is **10:50**
